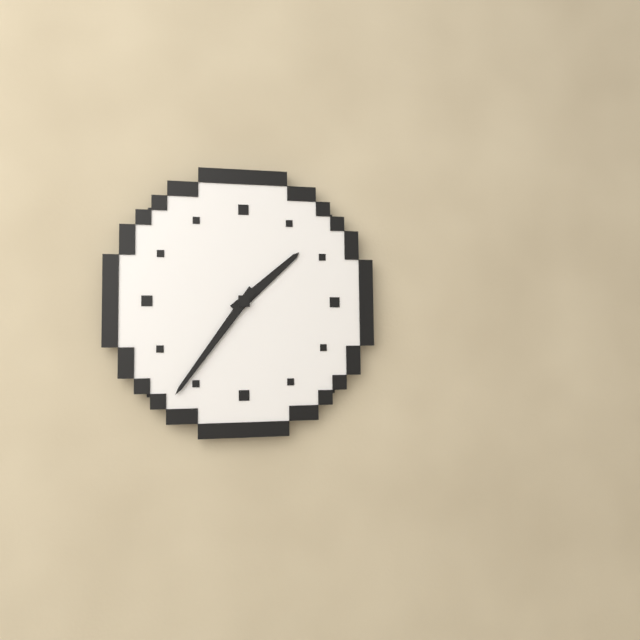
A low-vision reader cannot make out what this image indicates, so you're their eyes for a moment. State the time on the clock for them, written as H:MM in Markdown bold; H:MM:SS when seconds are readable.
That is **1:36**
